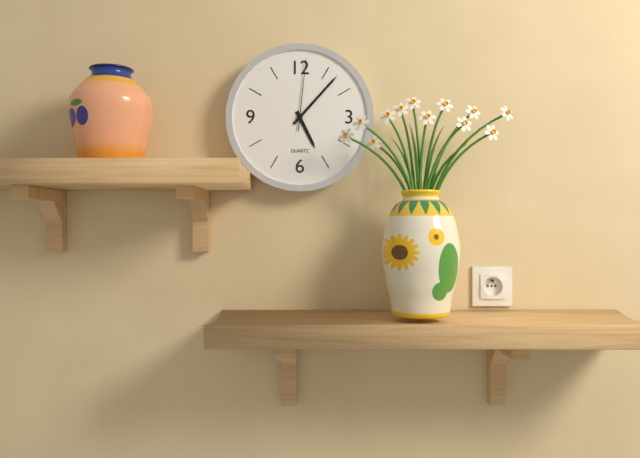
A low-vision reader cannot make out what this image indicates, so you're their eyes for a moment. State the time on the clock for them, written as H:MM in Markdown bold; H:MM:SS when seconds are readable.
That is **5:07:01**
